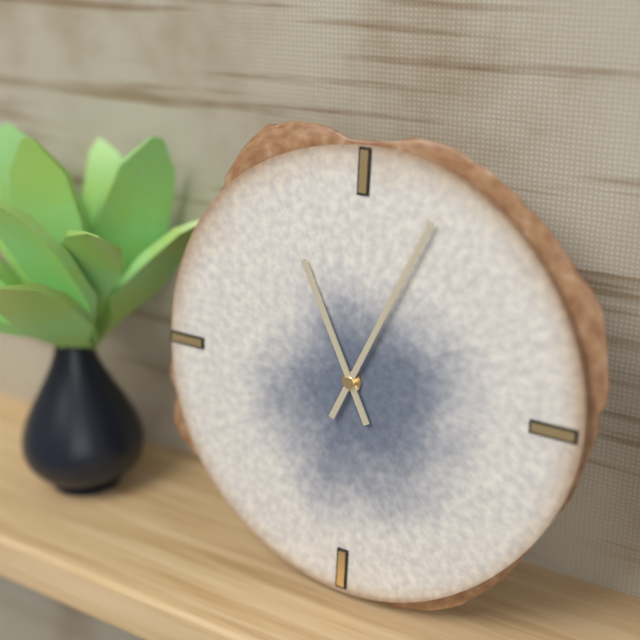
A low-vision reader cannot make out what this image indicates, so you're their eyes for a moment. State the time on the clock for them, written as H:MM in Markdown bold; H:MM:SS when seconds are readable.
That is **11:04**
